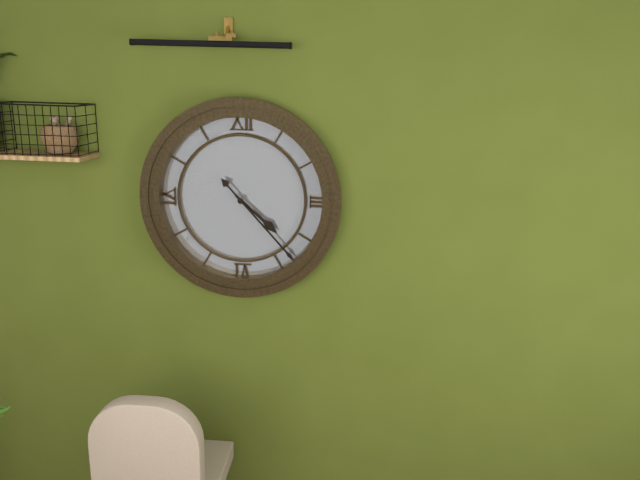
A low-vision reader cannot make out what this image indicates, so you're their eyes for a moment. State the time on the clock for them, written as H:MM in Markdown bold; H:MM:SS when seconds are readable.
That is **4:23**
